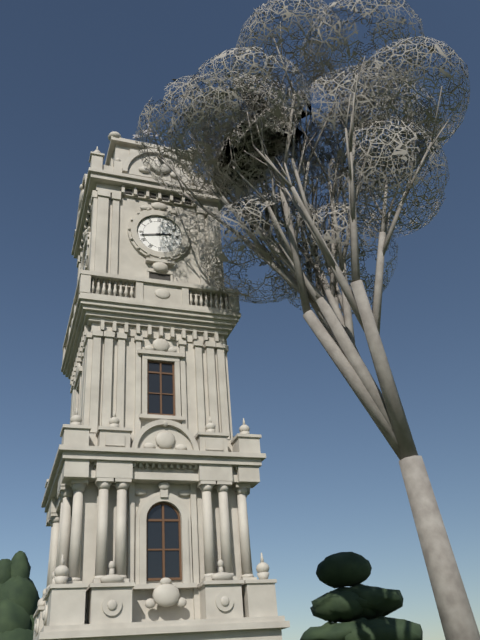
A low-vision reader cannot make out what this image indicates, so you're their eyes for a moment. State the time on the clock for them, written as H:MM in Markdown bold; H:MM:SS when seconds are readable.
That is **2:43**
